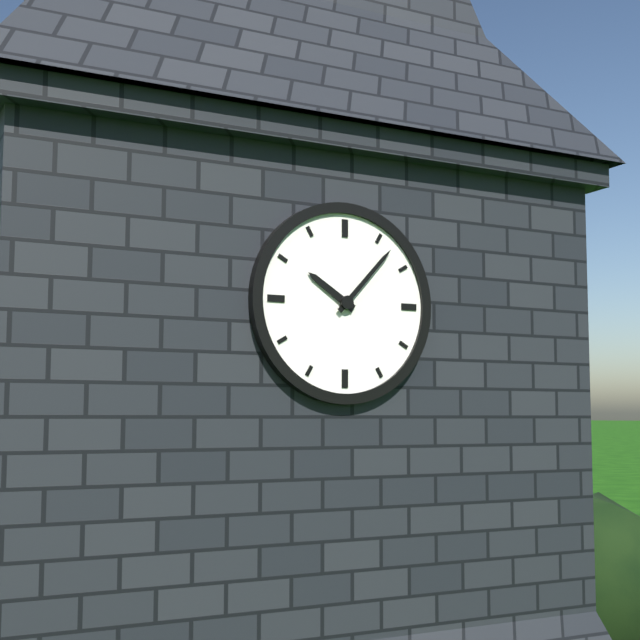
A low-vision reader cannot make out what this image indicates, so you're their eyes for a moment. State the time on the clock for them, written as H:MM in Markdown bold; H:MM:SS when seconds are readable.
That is **10:07**
